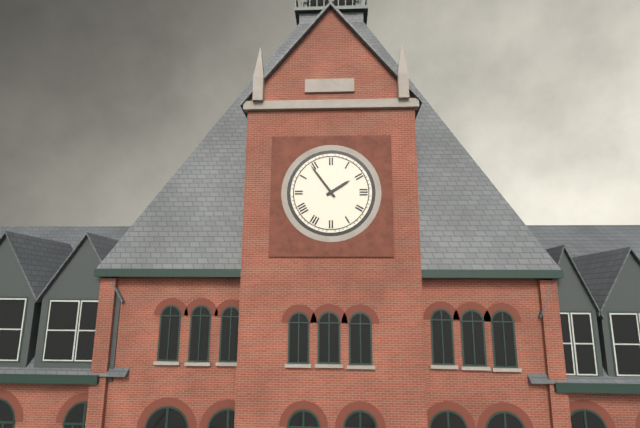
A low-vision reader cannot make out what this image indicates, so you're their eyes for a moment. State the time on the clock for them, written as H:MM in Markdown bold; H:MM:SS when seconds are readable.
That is **1:54**
